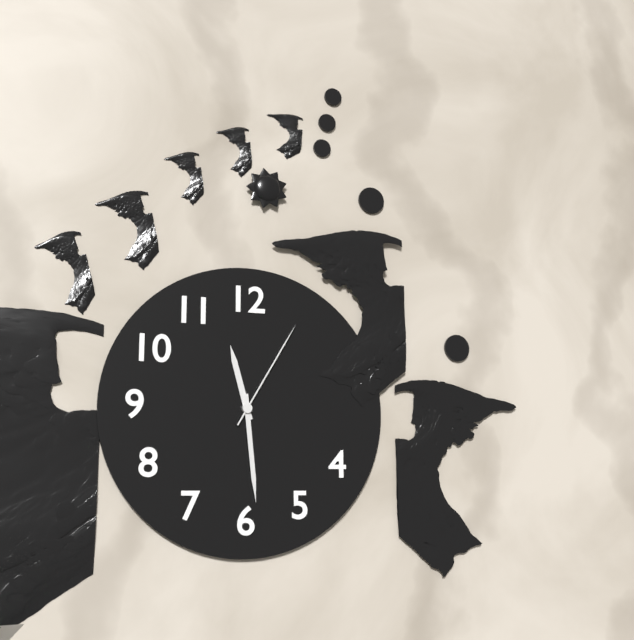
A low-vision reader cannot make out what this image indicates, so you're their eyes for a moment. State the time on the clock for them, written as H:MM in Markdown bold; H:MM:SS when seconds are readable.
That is **11:29:05**
